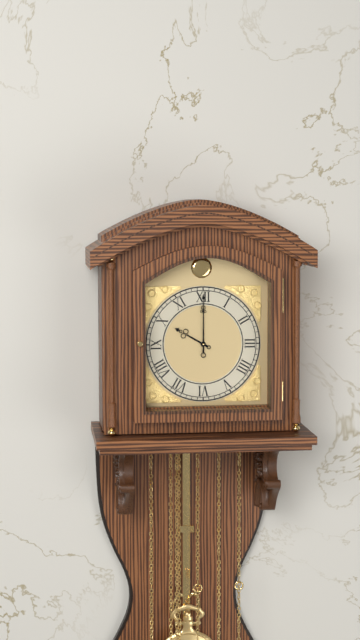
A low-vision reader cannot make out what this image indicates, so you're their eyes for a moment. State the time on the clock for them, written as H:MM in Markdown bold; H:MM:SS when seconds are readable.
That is **10:00**
